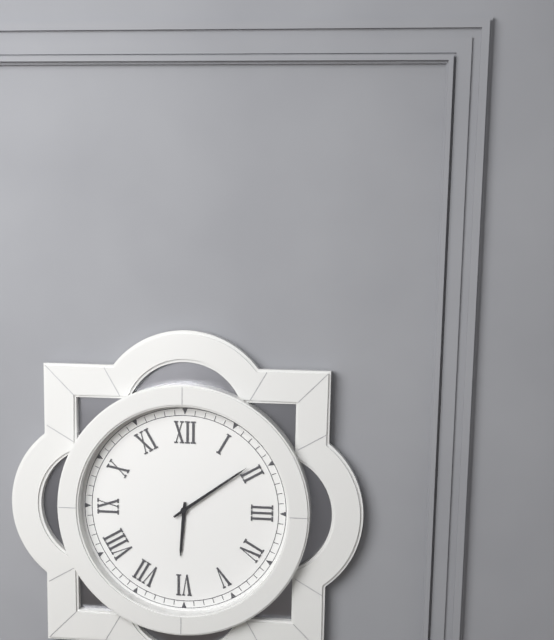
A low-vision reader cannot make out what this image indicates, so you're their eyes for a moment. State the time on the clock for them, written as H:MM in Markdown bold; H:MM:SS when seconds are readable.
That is **6:09**
